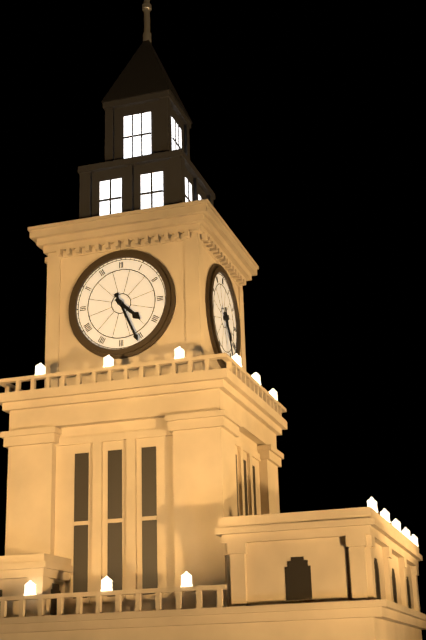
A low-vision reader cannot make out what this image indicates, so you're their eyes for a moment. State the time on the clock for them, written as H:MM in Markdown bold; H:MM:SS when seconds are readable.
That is **4:26**
